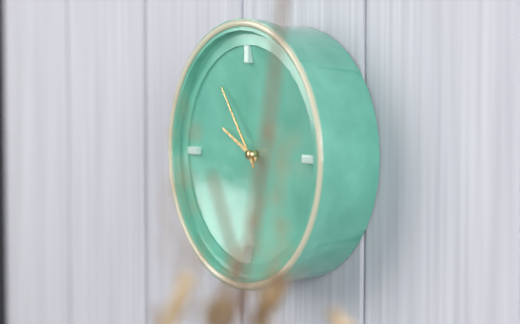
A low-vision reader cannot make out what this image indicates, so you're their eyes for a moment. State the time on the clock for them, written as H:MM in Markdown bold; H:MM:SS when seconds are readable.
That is **9:54**
